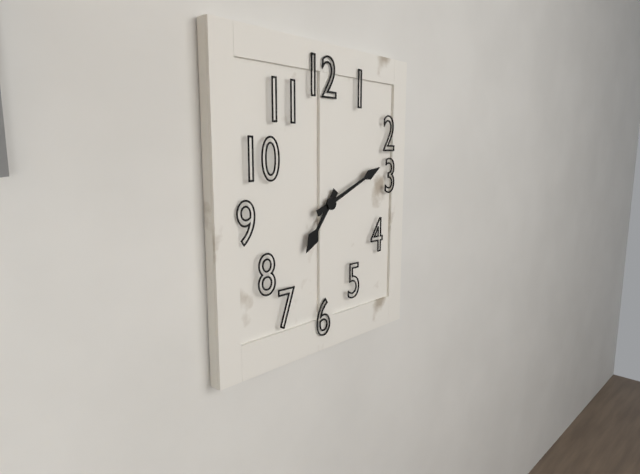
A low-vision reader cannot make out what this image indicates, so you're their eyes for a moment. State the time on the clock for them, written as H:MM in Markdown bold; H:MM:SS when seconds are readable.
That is **7:11**
